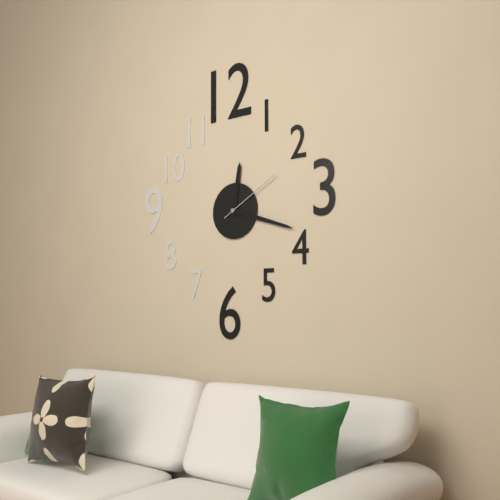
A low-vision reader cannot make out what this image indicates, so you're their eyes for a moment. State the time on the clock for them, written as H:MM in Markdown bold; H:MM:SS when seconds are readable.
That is **12:18:10**
